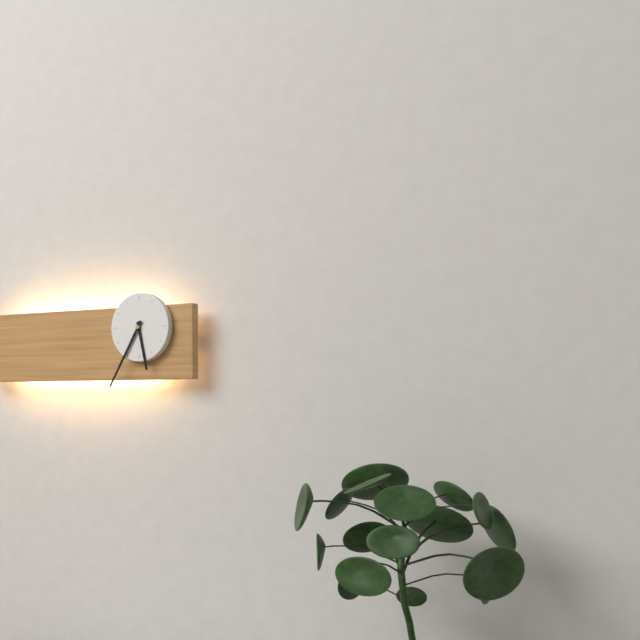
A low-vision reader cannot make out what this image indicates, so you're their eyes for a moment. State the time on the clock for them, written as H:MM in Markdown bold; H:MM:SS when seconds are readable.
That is **5:35**
